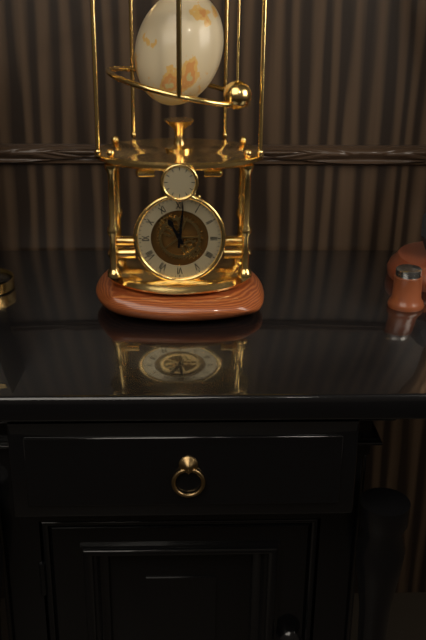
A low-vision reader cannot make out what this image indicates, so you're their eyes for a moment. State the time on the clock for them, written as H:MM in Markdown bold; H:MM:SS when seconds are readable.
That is **11:01**
